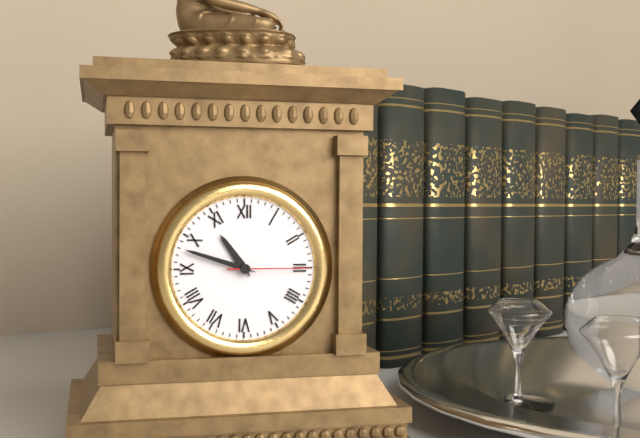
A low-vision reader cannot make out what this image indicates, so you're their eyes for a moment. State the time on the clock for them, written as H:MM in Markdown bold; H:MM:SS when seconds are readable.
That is **10:48:15**
